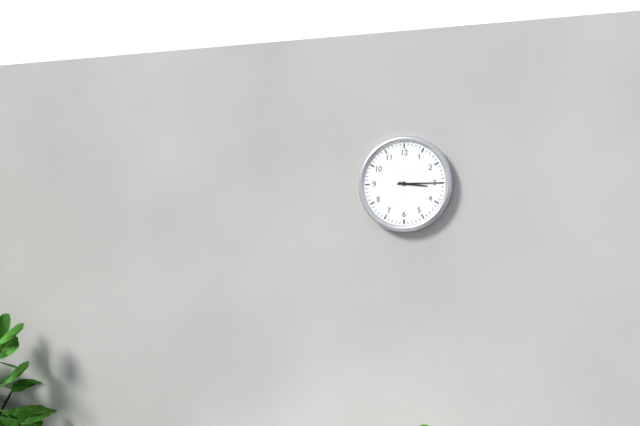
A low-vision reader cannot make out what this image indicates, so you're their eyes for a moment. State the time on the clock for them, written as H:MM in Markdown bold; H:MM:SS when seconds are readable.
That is **3:15**
